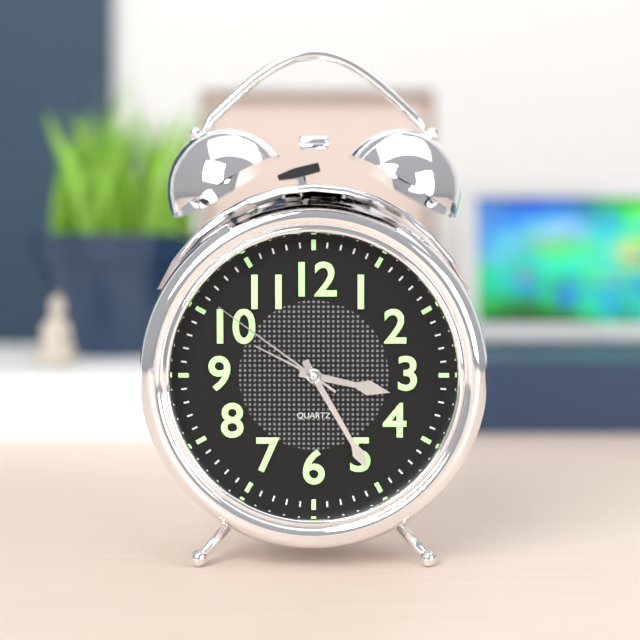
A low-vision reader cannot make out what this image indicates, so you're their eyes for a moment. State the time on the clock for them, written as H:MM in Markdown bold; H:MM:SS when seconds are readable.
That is **3:25:51**
